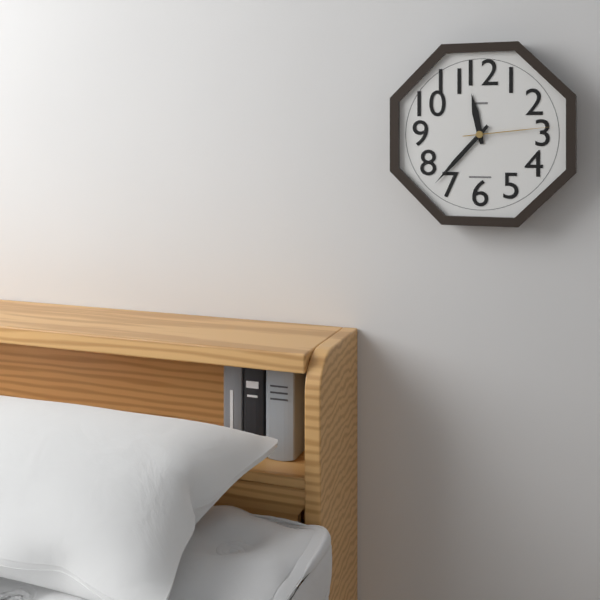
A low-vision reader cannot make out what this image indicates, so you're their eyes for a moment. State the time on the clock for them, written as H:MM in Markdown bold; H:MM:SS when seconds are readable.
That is **11:37:14**
